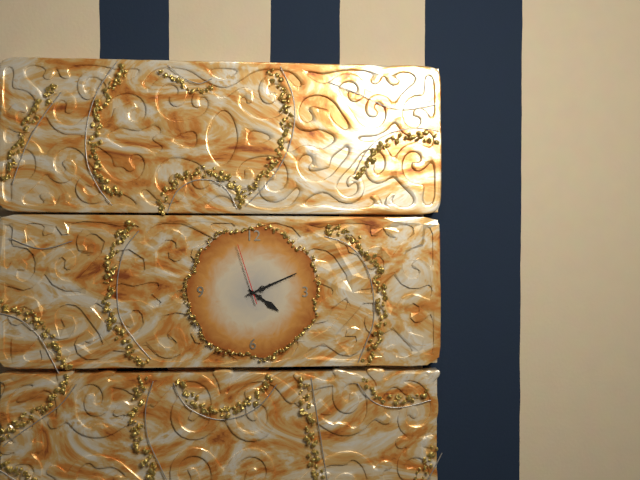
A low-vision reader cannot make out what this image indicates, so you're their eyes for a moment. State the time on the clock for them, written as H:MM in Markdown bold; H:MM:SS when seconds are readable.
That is **4:11:57**
